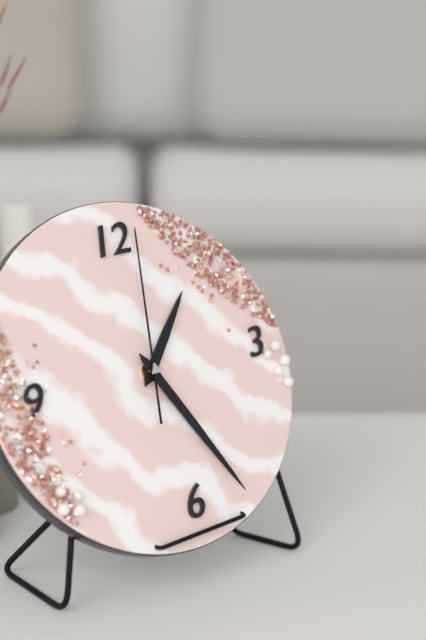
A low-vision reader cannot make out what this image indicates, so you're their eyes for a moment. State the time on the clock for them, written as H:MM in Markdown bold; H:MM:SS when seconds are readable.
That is **1:26:02**
